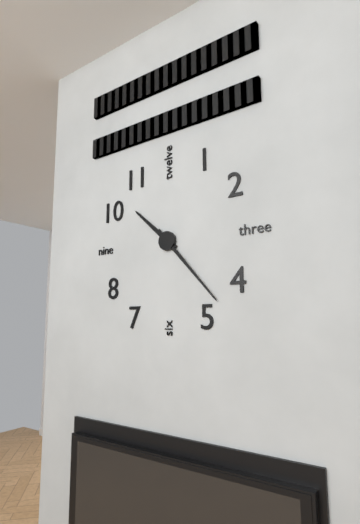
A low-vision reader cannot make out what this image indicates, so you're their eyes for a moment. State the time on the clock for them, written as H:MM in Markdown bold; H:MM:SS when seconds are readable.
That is **10:23**
